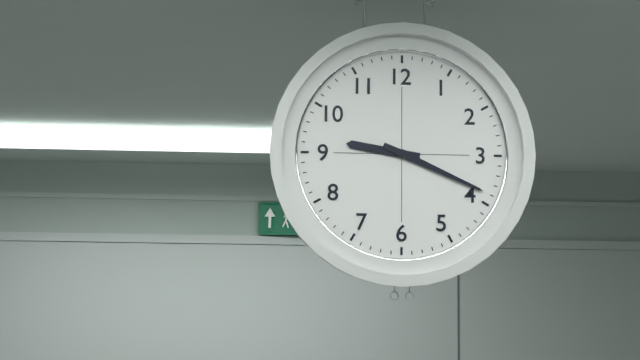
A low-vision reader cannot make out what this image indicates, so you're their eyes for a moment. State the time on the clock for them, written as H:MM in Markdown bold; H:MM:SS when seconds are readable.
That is **9:19**
